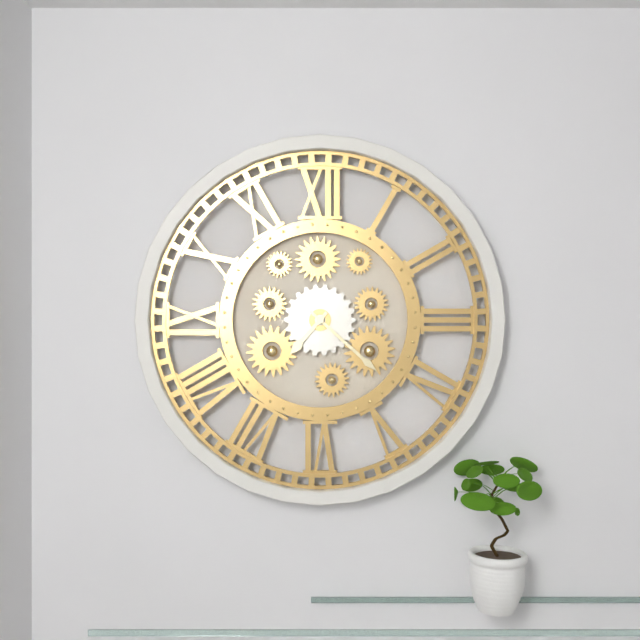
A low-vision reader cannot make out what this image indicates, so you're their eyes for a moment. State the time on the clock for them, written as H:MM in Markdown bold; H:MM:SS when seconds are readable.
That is **7:22**
